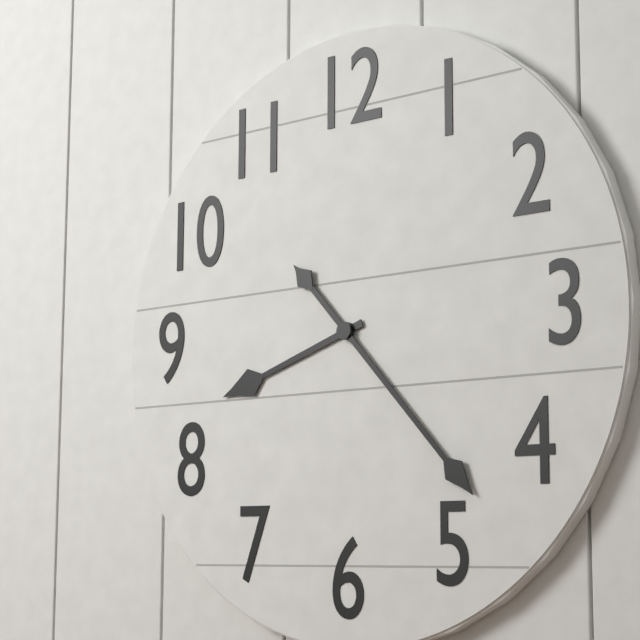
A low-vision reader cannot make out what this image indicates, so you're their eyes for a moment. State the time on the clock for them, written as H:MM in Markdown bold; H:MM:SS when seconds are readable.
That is **8:23**
